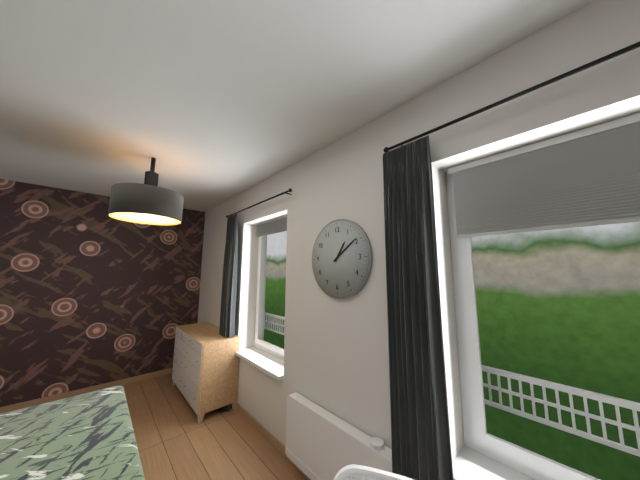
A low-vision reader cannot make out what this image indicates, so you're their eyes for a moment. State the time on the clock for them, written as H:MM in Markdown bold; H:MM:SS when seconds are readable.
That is **1:09**
